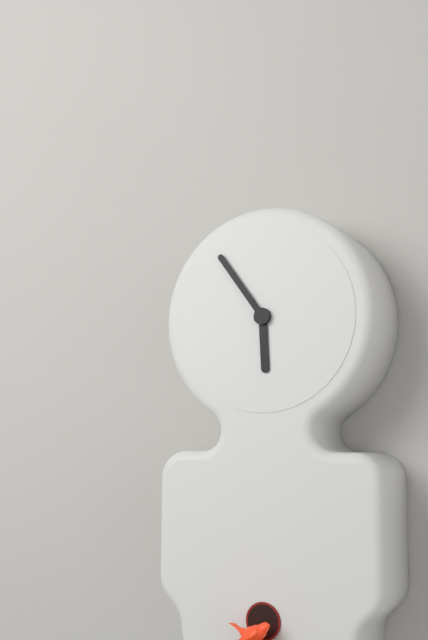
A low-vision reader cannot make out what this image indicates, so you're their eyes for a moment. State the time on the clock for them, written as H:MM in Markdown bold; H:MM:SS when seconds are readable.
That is **5:54**
